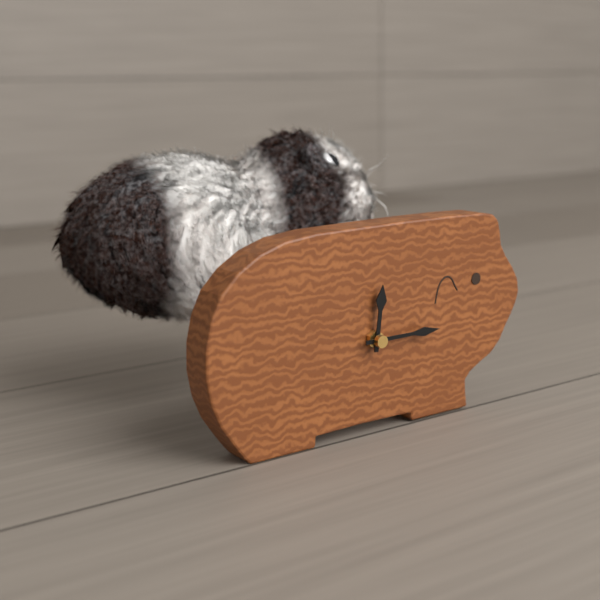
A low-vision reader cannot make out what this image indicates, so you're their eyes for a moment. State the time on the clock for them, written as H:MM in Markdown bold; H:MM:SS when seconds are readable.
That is **12:15**
